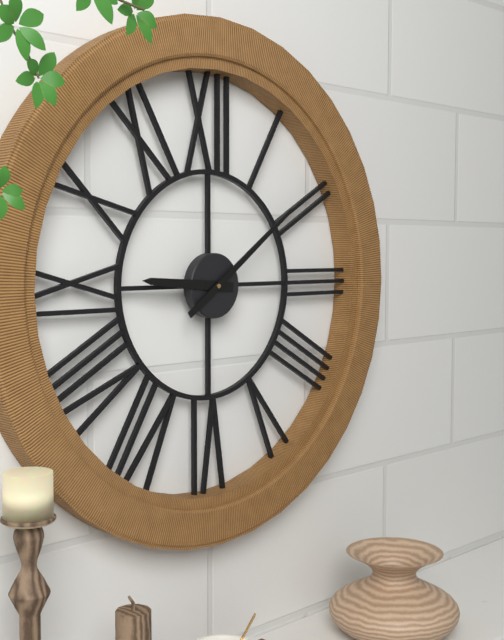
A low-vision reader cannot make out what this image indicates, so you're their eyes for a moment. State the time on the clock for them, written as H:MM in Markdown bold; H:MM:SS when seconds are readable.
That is **9:09**
